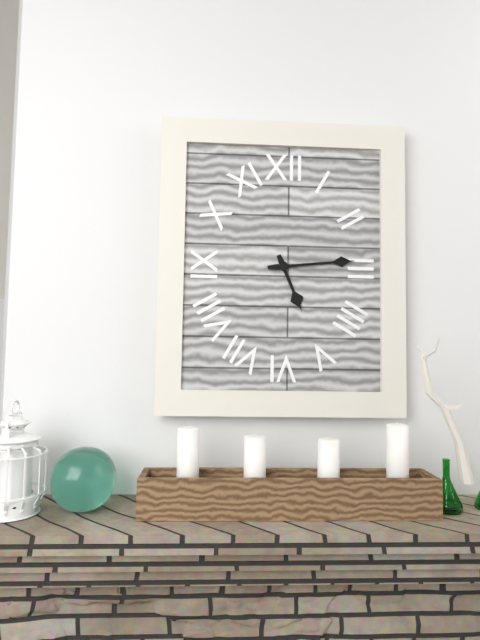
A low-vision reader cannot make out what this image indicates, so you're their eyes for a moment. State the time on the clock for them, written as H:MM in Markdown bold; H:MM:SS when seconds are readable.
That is **5:14**
